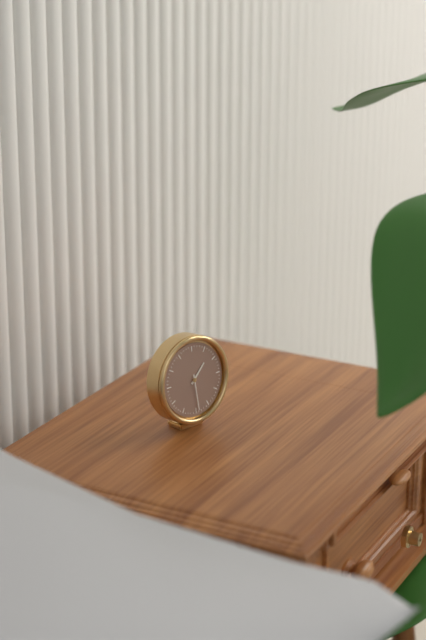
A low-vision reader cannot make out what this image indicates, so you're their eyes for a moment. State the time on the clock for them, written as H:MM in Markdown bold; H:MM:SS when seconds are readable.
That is **1:29**
